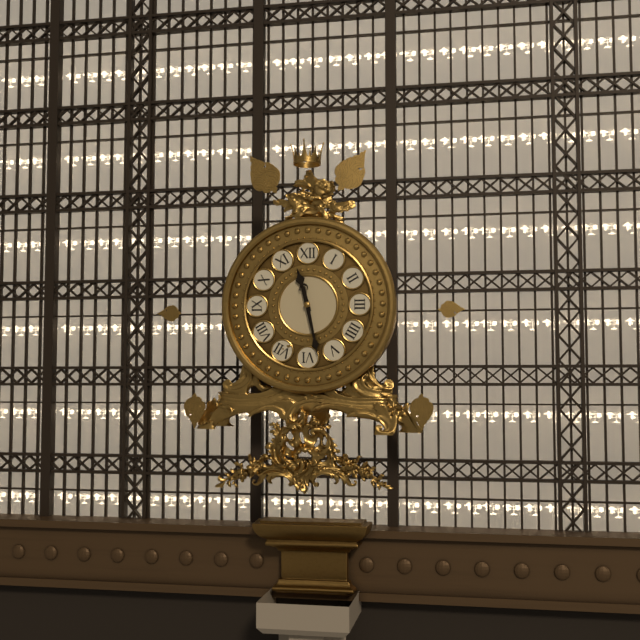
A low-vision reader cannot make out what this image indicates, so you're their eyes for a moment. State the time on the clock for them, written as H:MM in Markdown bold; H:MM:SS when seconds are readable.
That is **11:28**
